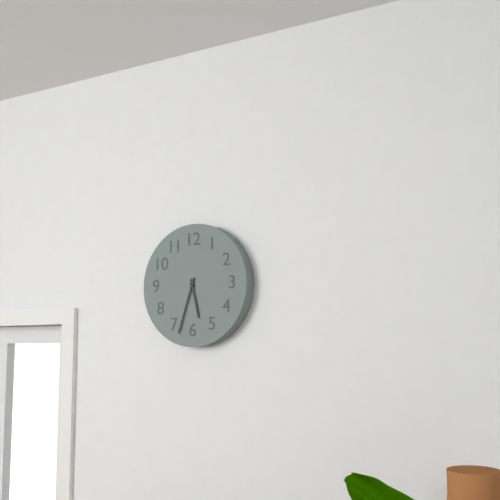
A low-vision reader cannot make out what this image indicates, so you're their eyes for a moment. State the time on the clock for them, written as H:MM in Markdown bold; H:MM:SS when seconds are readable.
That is **5:33**
